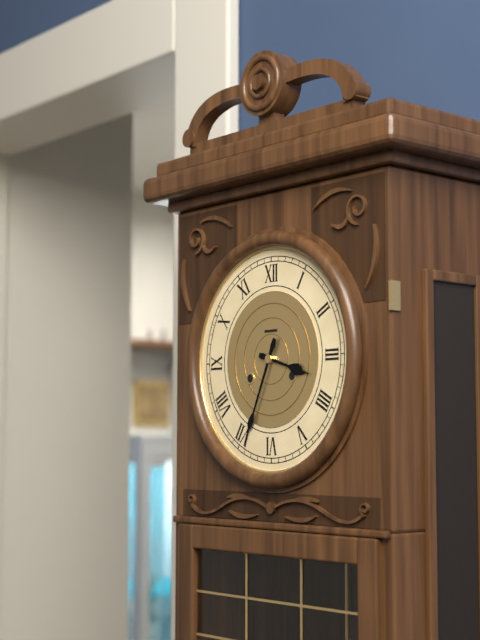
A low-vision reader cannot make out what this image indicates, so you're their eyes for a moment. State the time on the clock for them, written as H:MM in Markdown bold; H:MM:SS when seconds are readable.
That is **3:34**
